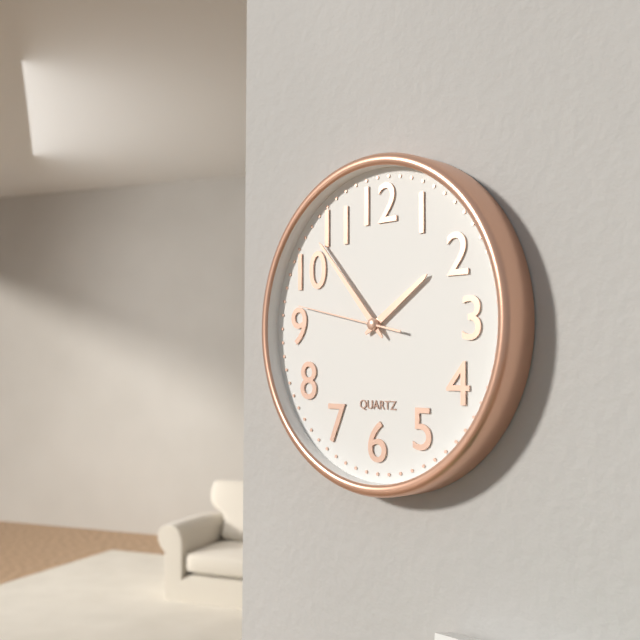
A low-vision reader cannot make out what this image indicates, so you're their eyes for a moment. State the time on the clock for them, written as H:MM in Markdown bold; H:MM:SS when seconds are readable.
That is **1:53:47**
